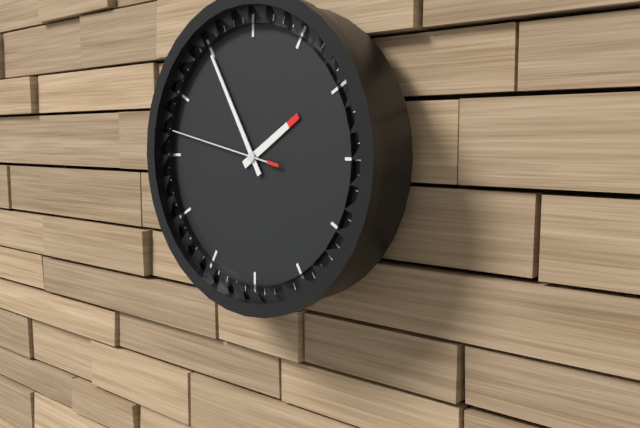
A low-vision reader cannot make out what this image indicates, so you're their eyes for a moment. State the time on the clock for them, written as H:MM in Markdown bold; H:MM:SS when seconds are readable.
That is **1:55:47**
